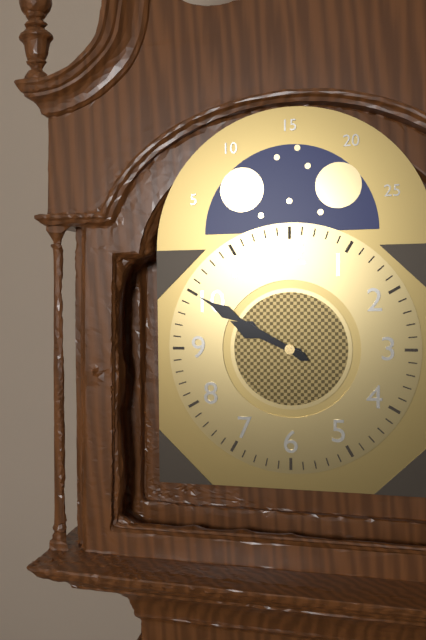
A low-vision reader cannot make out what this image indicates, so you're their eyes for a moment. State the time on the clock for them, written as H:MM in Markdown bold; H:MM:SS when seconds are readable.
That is **9:50**
